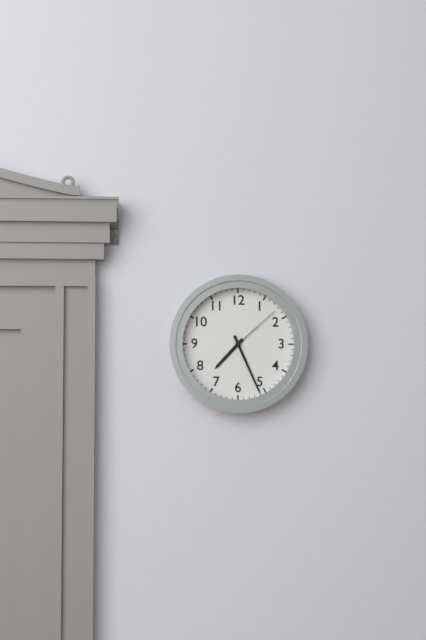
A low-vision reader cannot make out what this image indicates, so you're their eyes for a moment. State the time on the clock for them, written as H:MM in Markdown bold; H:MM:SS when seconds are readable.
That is **7:26:08**
